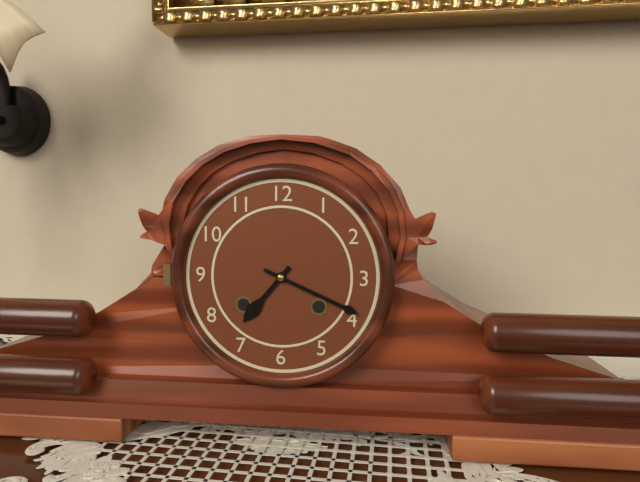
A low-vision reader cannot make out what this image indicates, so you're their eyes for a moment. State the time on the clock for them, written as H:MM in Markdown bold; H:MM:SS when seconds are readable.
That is **7:19**
